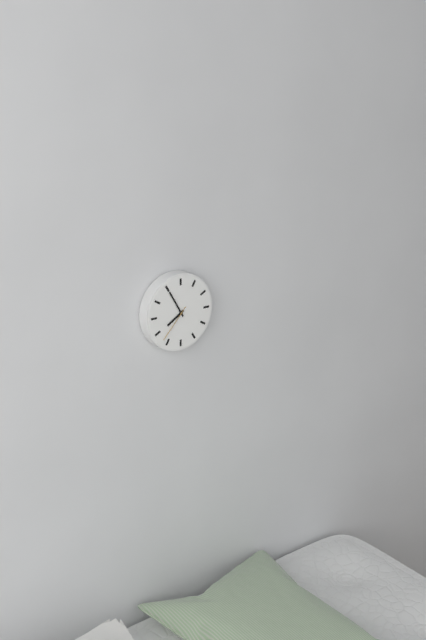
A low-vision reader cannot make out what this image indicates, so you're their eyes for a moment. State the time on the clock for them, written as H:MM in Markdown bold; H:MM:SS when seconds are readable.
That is **7:55**
